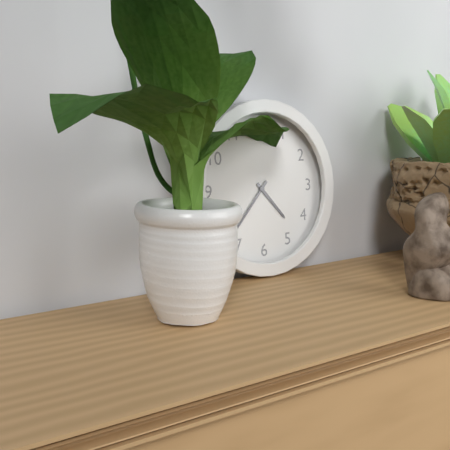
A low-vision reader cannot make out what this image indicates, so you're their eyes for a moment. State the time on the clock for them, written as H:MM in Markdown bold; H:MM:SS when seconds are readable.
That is **4:37**
